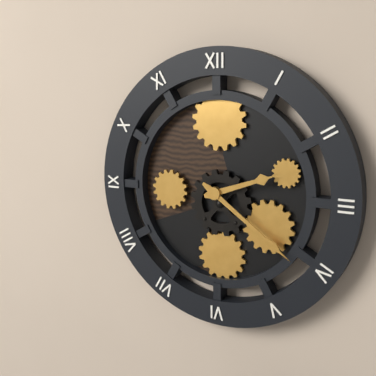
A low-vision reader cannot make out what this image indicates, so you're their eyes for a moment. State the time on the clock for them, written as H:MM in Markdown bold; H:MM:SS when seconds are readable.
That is **2:21**
